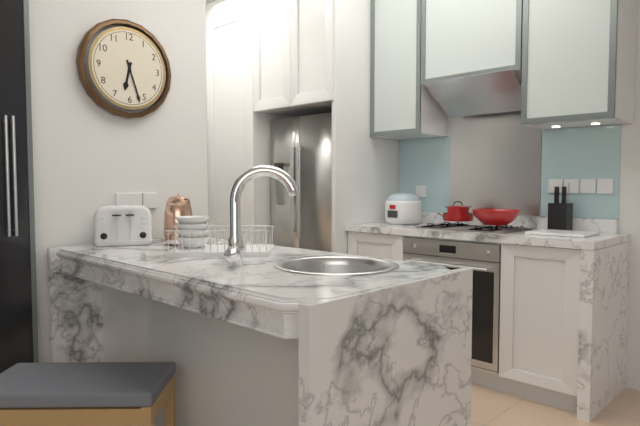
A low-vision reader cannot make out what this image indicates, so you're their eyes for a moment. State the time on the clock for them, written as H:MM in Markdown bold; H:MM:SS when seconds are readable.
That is **6:27**
